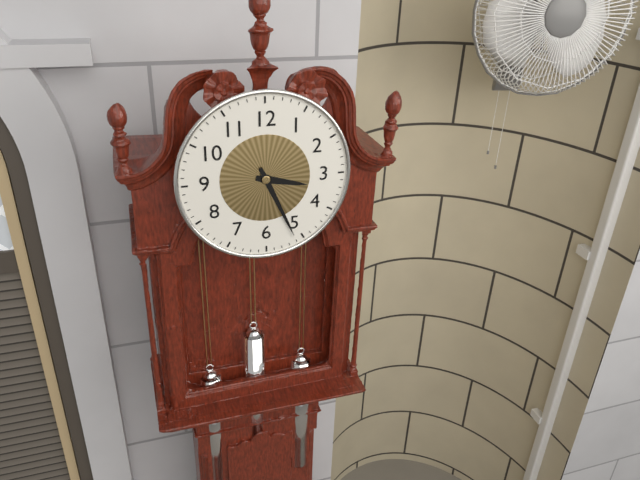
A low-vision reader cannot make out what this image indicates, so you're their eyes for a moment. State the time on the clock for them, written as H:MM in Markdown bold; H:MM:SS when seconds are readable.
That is **3:26**
